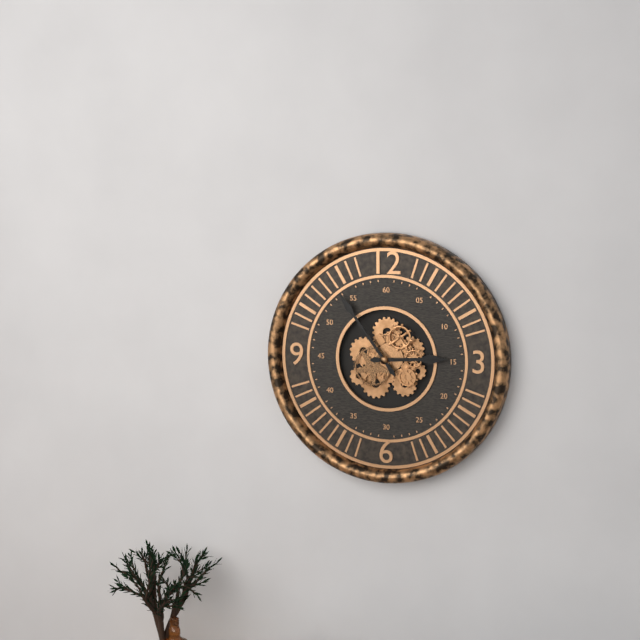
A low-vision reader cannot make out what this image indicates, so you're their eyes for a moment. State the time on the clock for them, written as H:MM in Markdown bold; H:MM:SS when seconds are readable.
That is **2:54**
